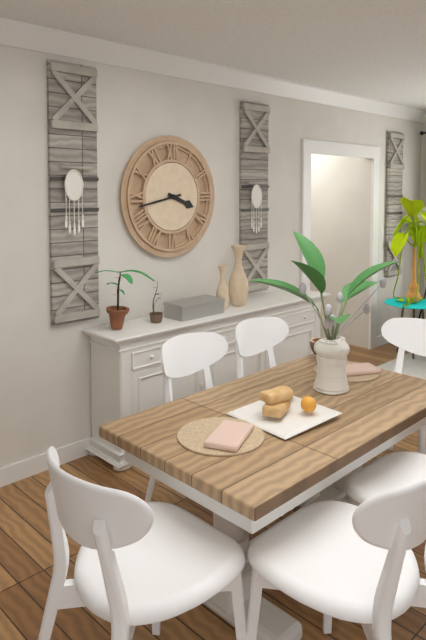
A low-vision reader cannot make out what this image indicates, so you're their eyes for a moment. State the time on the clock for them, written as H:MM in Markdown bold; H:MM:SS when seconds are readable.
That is **3:43**
